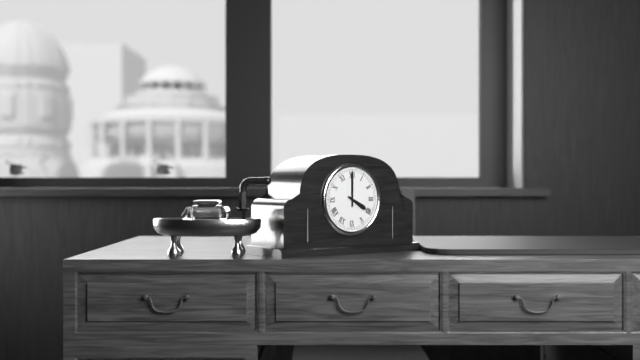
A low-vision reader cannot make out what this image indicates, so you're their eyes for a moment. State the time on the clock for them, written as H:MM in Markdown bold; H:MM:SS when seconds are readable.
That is **4:00**
